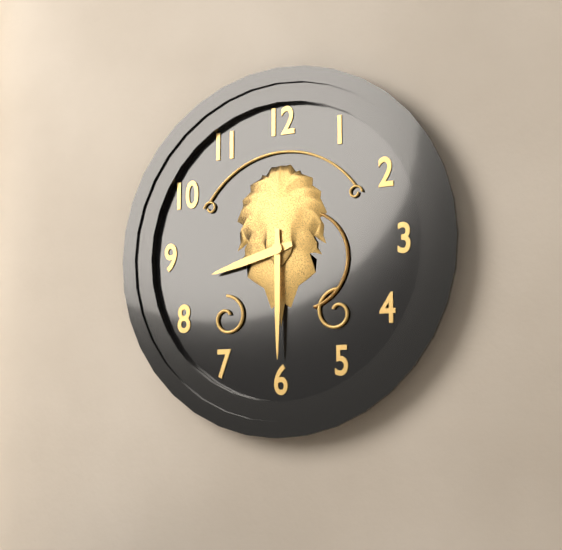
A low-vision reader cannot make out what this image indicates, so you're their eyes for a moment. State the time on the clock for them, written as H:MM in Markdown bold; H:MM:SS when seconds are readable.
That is **8:30**
